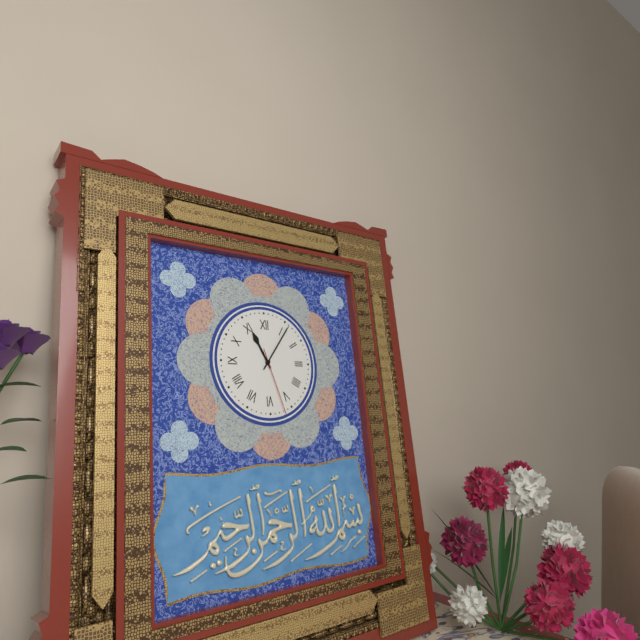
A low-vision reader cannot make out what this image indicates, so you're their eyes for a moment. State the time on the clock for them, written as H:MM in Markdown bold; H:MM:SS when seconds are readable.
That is **11:06:27**
